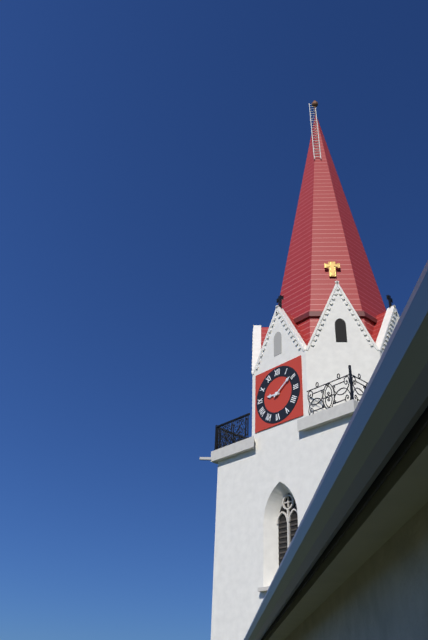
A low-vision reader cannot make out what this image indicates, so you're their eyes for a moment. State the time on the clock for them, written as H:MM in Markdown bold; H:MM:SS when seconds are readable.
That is **9:09**
